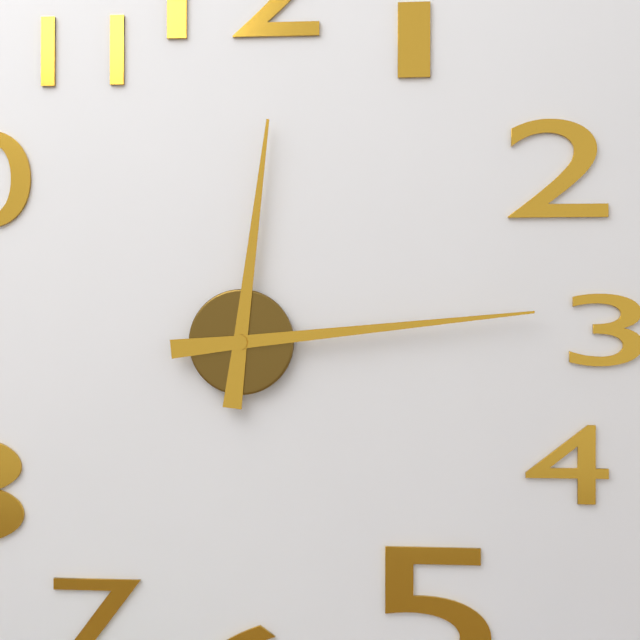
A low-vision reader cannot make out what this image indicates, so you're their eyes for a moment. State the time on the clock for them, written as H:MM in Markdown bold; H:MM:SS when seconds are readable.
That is **12:14**
